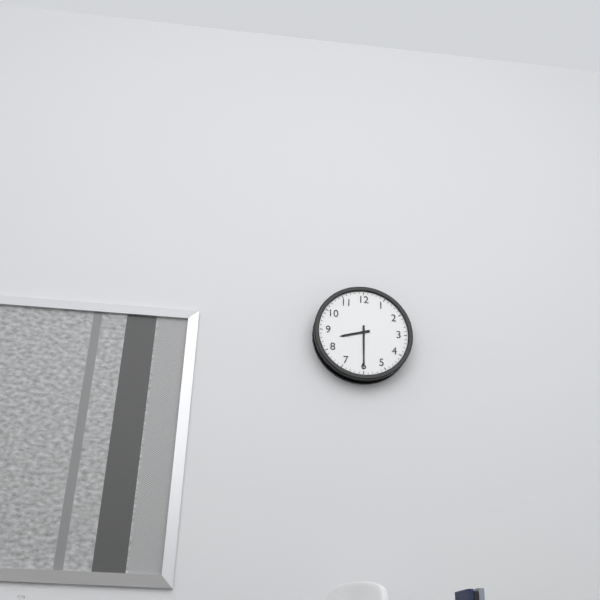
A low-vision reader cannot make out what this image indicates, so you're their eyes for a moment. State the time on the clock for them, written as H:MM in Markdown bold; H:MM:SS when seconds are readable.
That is **8:30**
